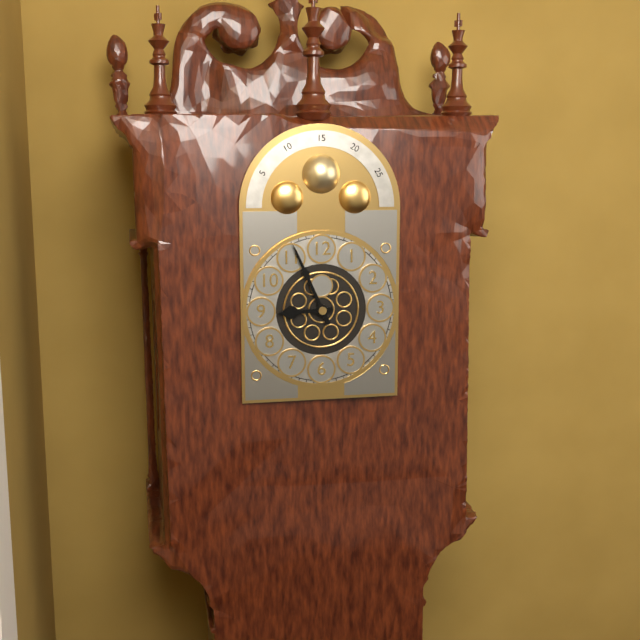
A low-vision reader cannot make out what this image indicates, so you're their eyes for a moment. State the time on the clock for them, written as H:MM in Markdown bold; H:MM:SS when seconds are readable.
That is **8:56**
